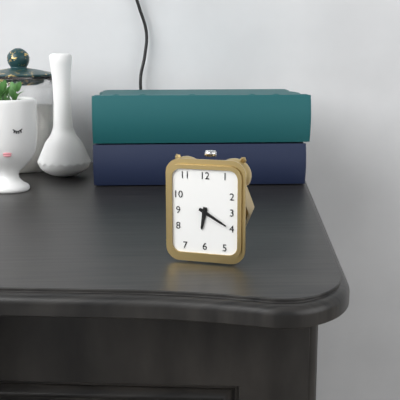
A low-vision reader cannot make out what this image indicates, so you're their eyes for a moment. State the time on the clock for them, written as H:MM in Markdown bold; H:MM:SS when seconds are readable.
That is **6:20**
